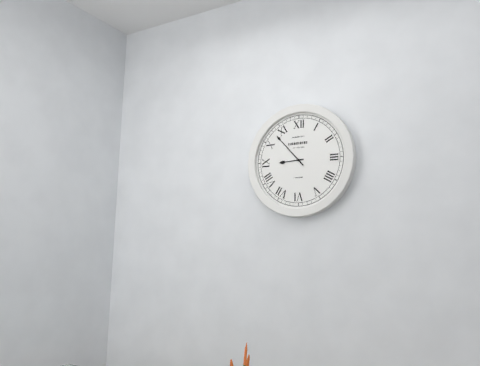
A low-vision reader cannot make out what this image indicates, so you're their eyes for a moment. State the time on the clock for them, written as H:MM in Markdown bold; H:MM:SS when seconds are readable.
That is **8:53**
